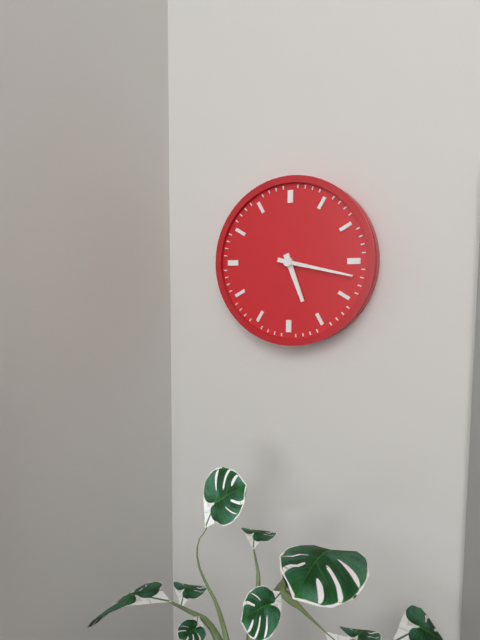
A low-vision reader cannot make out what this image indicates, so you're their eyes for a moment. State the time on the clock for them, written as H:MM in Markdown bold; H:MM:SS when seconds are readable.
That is **5:17**
